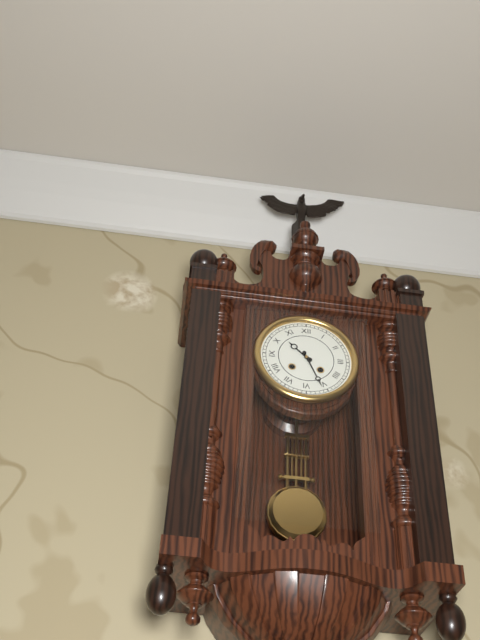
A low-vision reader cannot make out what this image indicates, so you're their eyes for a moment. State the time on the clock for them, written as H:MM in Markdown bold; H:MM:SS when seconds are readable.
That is **10:26**
